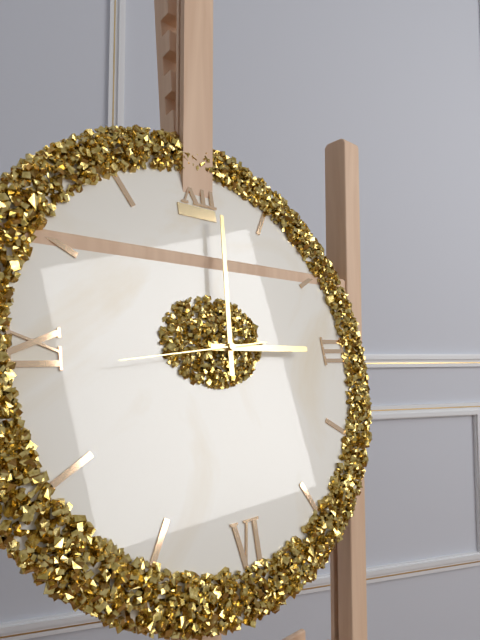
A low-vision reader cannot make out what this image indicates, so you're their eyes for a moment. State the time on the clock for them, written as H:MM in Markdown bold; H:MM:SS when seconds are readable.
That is **3:01:44**
